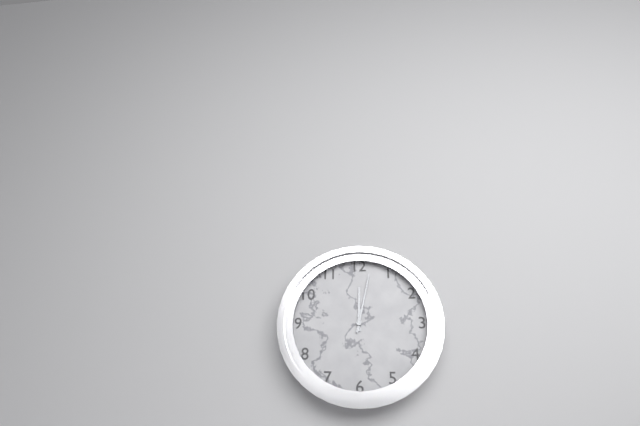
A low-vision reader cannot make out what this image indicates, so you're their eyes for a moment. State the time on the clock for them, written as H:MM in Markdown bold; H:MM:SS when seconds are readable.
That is **12:02**
